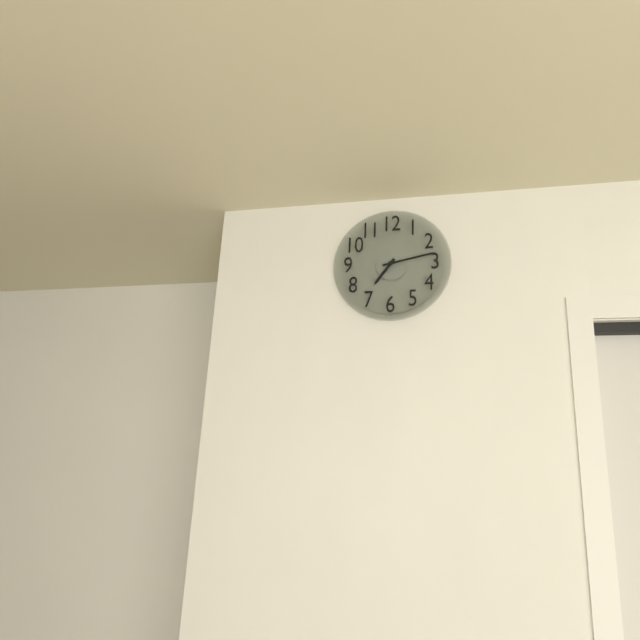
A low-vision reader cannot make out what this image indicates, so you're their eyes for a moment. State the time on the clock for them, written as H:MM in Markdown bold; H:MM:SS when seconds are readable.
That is **7:13**
